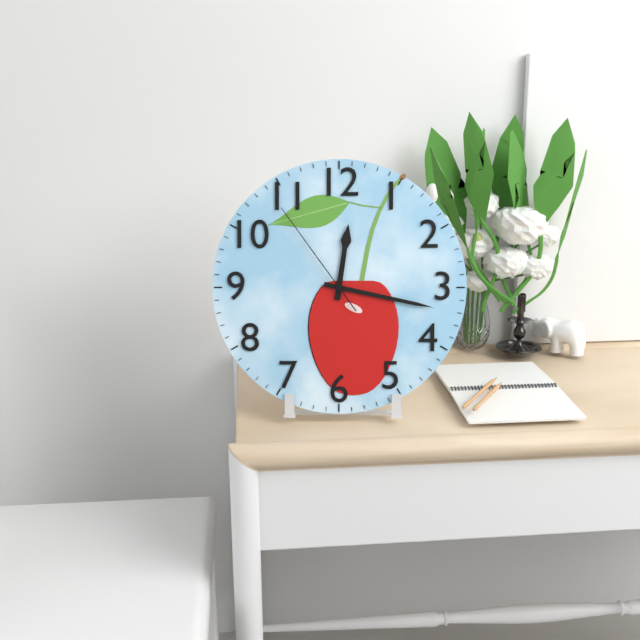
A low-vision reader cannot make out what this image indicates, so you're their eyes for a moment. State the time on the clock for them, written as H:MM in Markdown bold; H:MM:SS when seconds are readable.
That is **12:17:54**
